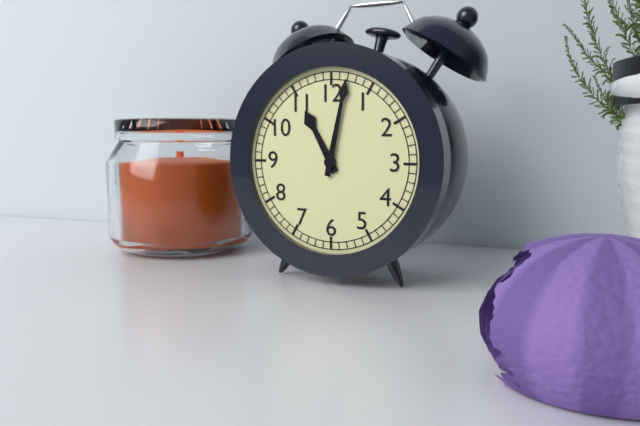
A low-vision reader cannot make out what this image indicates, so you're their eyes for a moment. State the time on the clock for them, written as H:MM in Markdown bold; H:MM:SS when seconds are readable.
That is **11:02**
